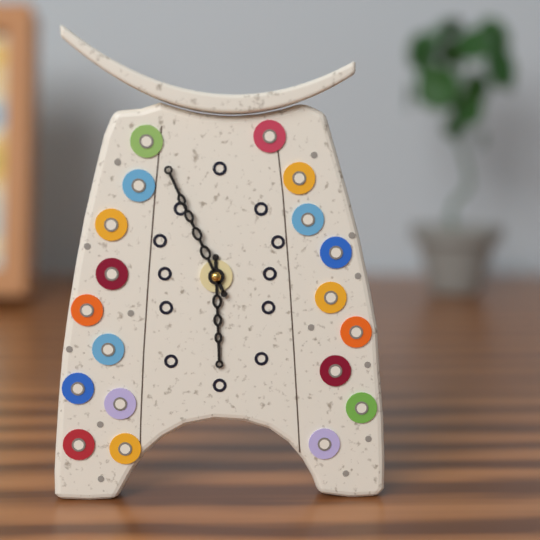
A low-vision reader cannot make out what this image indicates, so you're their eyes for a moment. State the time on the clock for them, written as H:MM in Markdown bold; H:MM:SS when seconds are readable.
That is **5:56**
